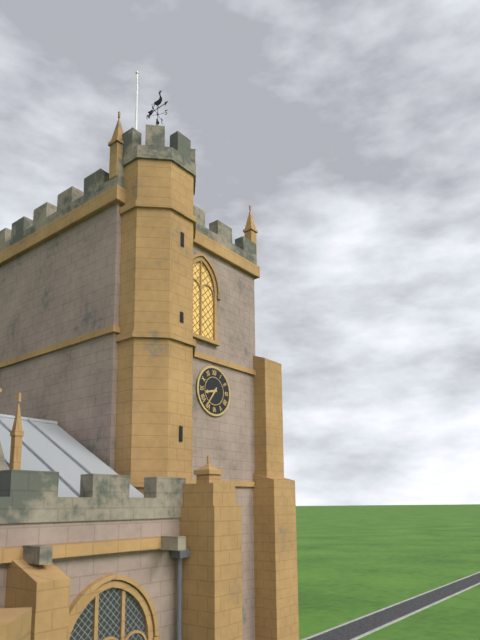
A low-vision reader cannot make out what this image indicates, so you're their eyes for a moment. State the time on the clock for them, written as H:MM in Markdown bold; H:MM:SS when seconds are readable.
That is **8:36**
